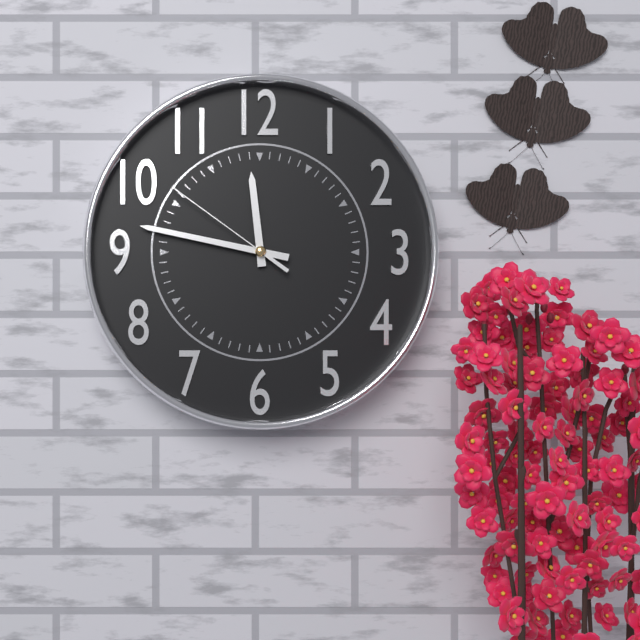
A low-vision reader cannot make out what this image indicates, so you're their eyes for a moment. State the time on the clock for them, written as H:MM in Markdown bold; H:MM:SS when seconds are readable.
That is **11:47:51**
